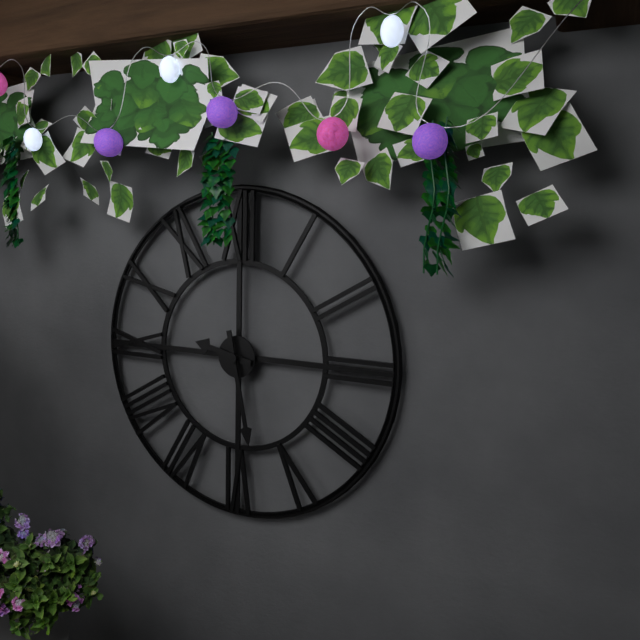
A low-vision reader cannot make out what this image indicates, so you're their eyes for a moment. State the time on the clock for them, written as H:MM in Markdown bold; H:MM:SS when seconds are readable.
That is **9:28**
